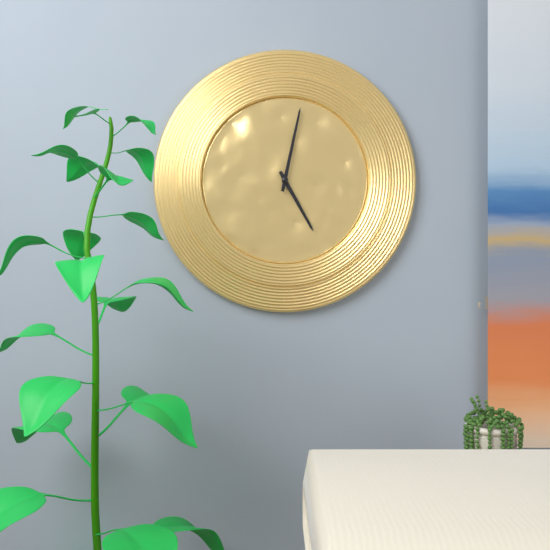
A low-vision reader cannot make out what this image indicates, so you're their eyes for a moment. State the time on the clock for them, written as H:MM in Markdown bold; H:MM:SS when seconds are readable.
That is **5:02**
